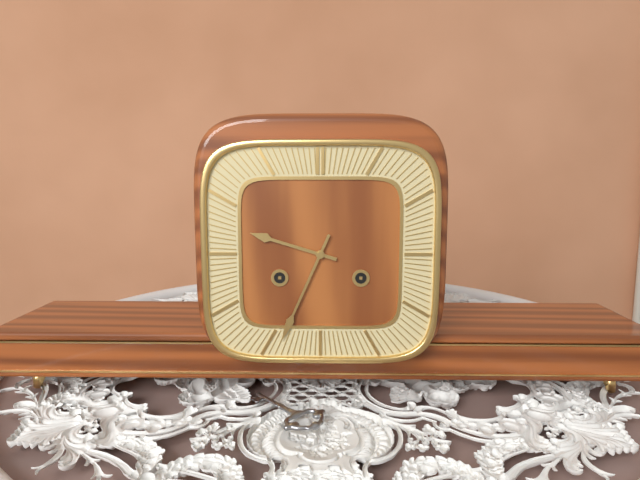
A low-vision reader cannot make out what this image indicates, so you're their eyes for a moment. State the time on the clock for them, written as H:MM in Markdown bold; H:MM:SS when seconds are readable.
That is **9:34**
